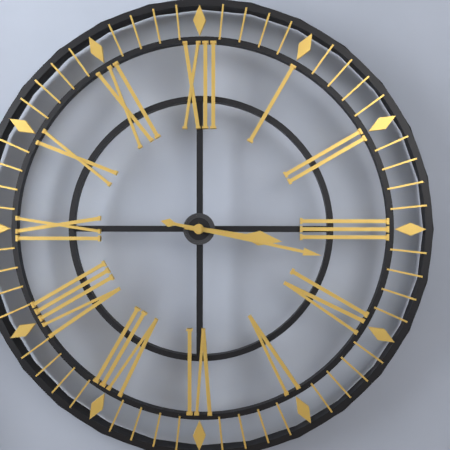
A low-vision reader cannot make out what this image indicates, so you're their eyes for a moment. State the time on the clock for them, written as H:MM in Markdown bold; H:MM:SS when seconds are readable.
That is **3:17**
